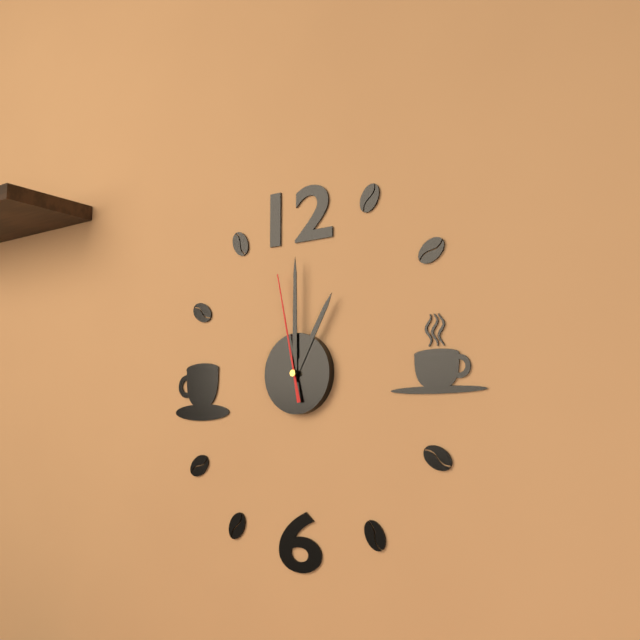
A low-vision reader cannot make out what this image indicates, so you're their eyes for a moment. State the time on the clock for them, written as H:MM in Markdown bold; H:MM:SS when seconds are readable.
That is **1:00:58**
